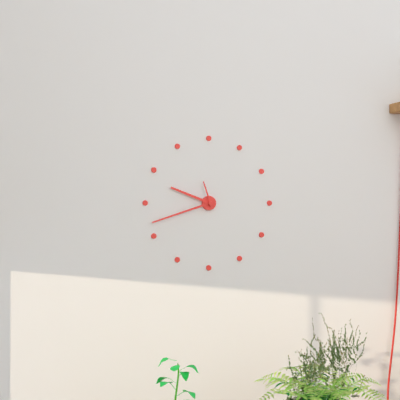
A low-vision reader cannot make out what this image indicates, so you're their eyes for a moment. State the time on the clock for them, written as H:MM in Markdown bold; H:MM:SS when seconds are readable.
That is **9:42**
